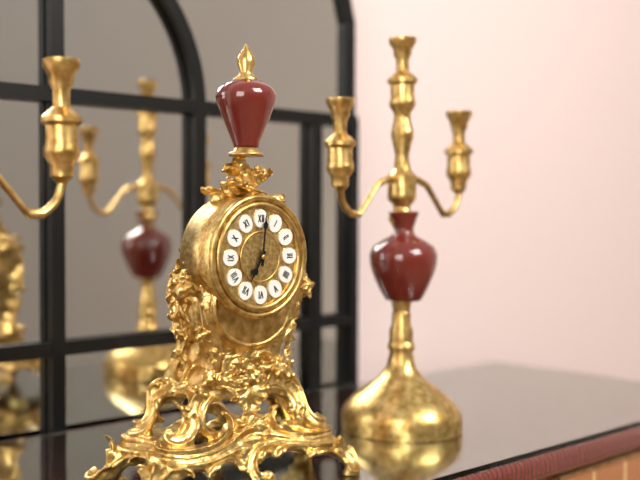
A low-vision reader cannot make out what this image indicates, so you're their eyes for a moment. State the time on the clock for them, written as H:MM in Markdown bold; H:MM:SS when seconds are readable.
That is **7:01**
